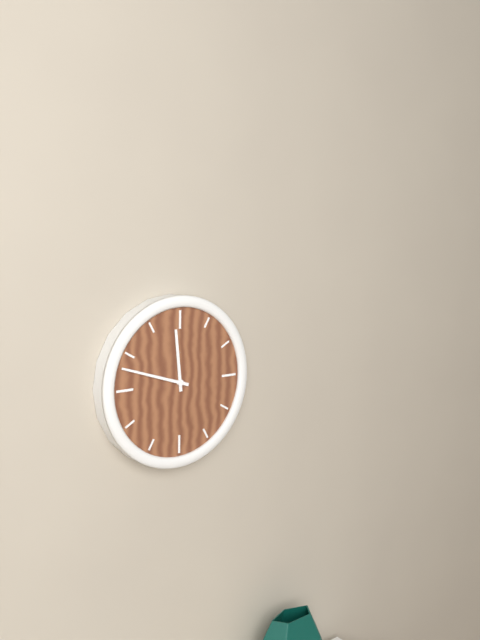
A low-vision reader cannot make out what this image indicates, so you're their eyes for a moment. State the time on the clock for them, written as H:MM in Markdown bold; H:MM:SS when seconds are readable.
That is **11:48**
